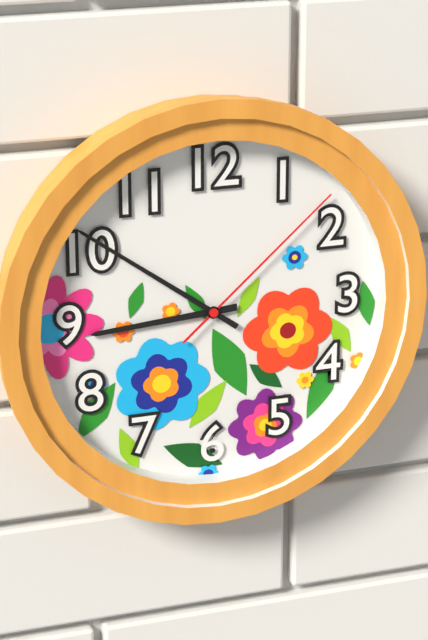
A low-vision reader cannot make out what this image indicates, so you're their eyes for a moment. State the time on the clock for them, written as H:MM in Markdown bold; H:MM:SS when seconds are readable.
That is **8:51:08**
